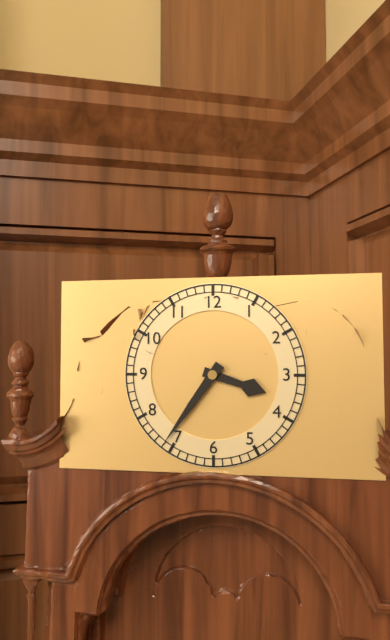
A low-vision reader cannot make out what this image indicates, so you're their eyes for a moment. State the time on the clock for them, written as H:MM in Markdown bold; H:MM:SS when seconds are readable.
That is **3:36**
